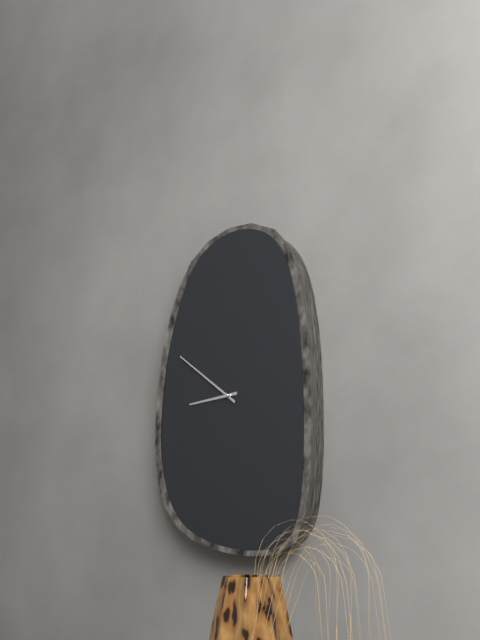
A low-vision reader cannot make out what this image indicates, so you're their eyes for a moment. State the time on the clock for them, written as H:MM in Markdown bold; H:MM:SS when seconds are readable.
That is **8:51**
